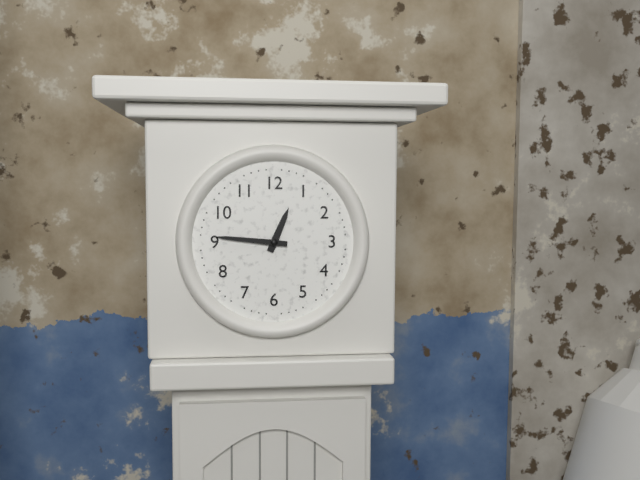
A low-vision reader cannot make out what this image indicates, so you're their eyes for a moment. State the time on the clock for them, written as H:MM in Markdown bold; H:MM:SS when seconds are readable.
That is **12:46**
